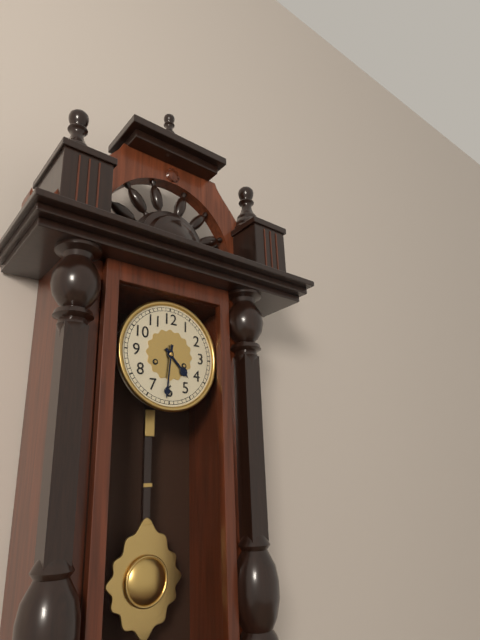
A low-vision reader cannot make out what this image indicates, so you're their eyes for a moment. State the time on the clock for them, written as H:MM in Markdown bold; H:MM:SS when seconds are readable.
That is **4:31**
